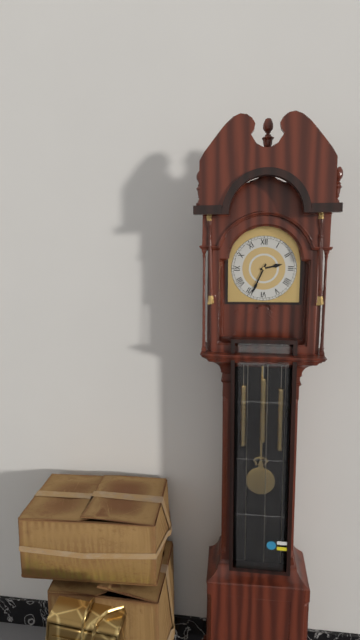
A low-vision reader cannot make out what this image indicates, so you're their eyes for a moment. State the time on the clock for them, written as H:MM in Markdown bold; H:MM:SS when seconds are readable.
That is **2:34**
